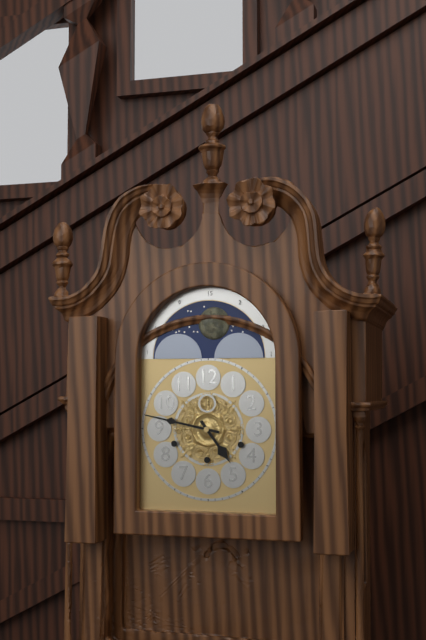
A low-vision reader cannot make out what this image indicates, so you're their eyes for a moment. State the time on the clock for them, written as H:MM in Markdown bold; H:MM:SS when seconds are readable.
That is **4:47**
